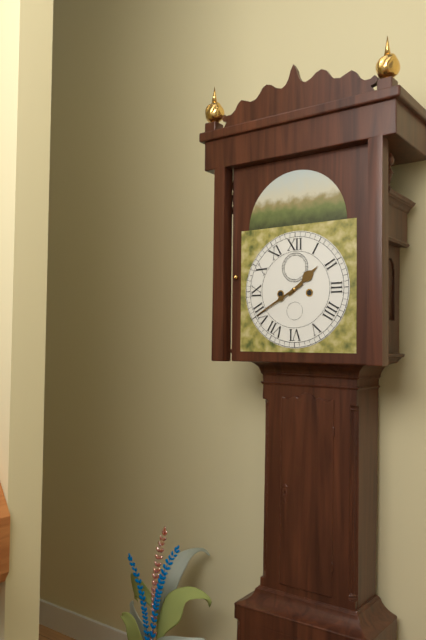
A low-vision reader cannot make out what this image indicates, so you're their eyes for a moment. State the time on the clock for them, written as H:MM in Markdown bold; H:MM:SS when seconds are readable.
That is **1:40**
